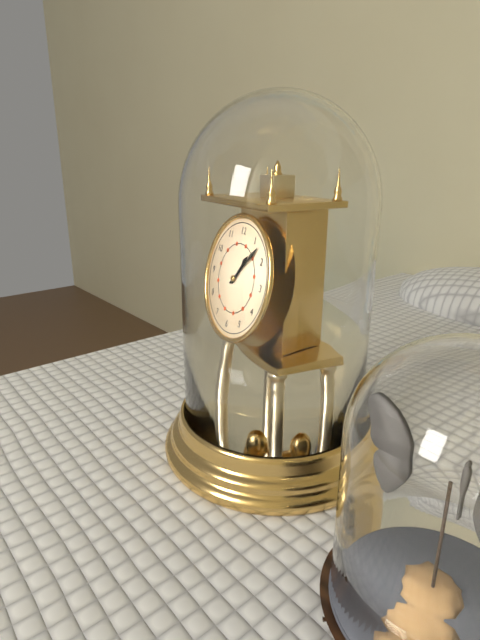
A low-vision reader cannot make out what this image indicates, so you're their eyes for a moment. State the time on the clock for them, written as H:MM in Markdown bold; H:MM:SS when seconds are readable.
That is **1:07**
